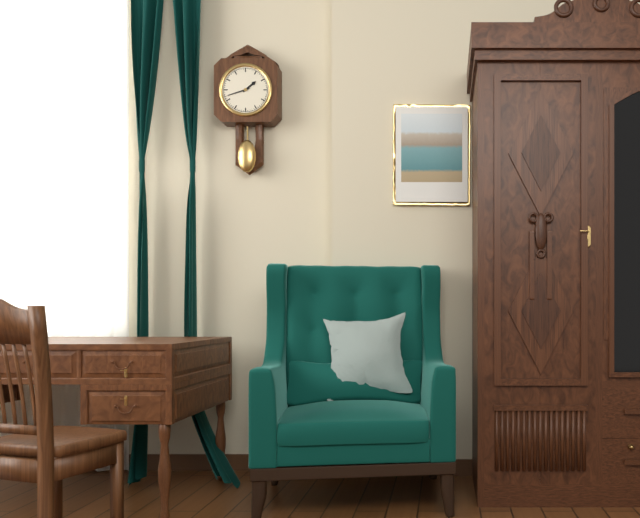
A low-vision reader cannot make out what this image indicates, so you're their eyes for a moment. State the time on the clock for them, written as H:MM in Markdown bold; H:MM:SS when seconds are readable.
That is **1:42**
